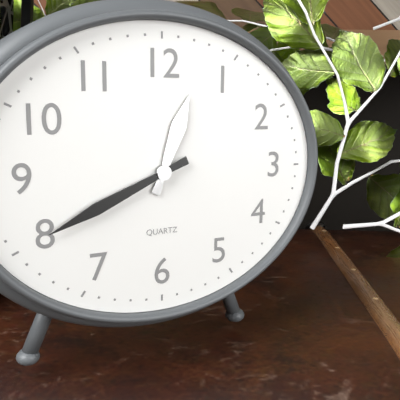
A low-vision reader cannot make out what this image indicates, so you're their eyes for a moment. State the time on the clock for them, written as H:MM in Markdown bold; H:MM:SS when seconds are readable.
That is **12:41**
